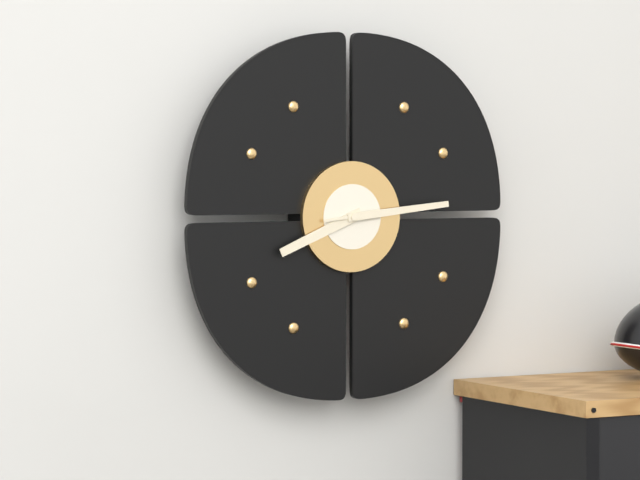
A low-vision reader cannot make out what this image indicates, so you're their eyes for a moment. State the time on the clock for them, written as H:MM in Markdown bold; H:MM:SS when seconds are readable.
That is **8:14**
